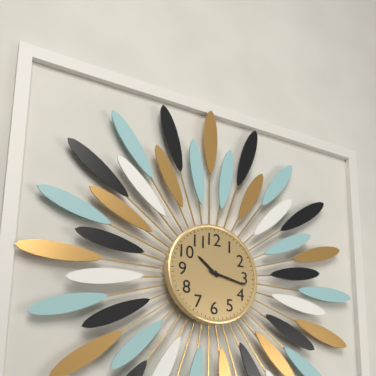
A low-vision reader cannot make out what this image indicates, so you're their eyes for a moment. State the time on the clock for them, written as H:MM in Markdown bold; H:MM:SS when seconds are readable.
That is **10:17**
